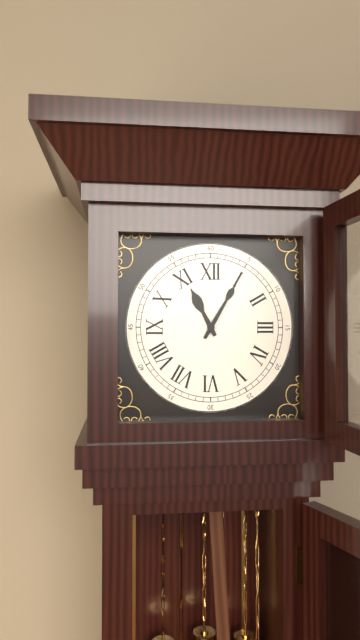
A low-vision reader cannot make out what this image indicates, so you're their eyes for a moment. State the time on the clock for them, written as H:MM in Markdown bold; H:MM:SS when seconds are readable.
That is **11:05**
